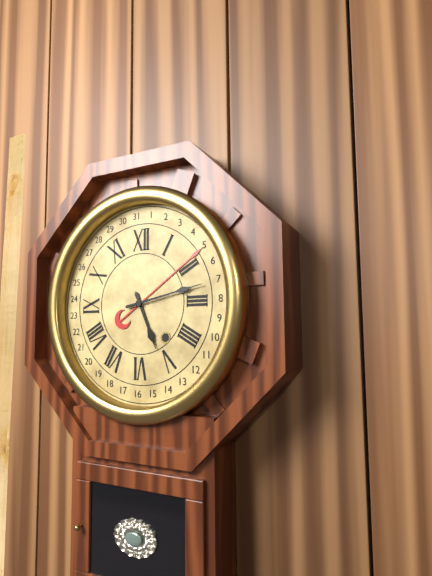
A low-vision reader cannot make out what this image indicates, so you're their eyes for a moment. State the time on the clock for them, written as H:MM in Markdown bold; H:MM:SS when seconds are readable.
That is **5:13**
